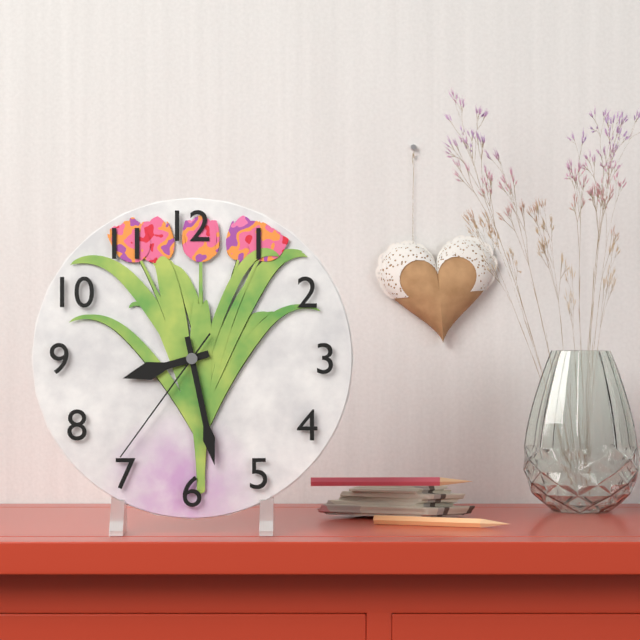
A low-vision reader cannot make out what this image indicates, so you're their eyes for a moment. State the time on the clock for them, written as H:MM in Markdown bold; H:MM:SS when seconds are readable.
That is **8:28:36**
